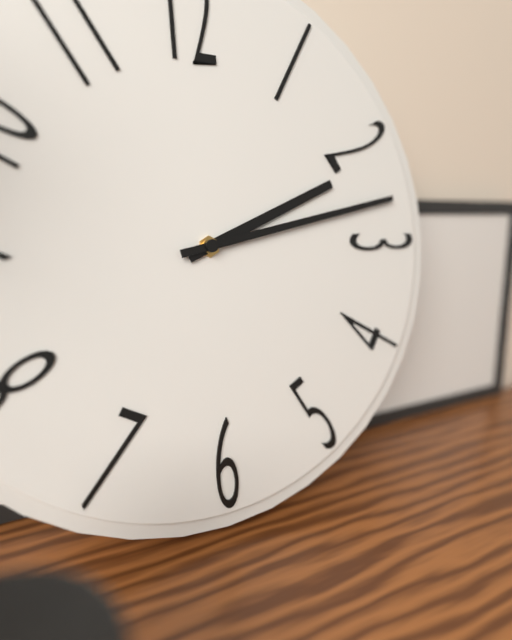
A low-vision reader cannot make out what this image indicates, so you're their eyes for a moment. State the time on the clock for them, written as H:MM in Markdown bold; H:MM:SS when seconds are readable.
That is **2:13**
